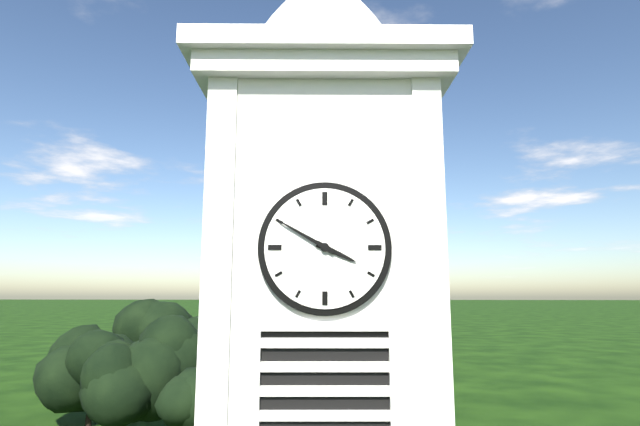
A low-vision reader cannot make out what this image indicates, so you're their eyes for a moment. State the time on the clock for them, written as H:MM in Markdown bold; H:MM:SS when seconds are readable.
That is **3:50**
